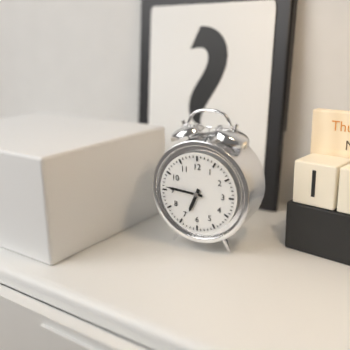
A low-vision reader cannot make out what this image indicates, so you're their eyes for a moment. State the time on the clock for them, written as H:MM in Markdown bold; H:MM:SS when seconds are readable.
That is **6:46**
